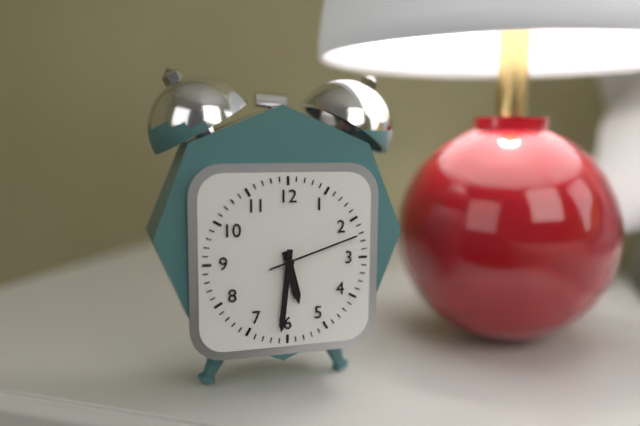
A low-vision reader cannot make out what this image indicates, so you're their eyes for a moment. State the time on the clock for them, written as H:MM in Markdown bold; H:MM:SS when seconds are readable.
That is **5:31:12**
